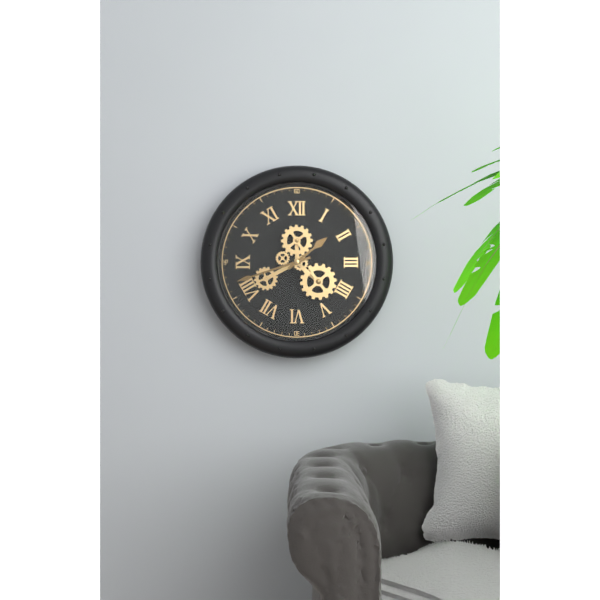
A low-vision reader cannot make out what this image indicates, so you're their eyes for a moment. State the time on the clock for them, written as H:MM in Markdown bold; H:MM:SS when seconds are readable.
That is **1:42**
